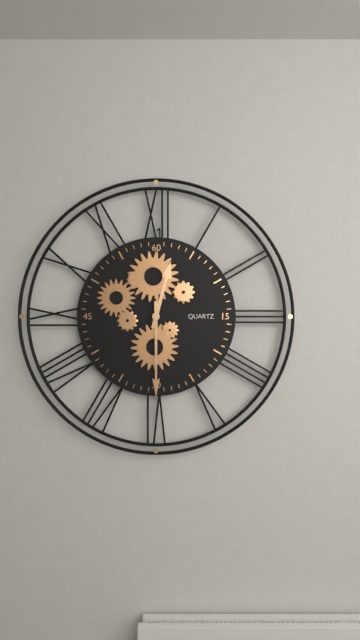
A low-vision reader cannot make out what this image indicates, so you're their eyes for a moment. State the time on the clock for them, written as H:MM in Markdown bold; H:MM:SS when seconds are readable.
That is **12:30**
